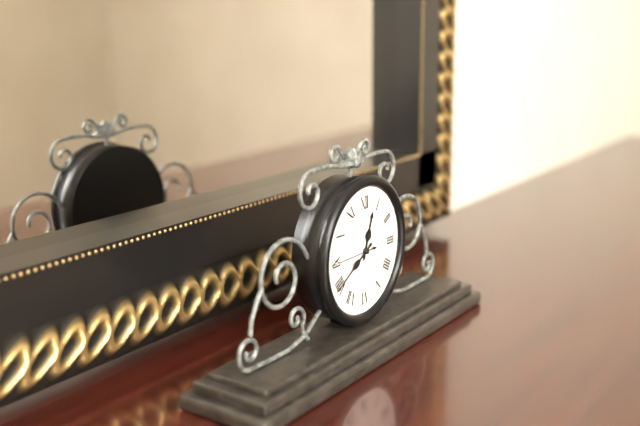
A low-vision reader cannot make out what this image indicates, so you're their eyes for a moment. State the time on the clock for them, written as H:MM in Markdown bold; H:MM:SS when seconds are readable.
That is **12:40**
